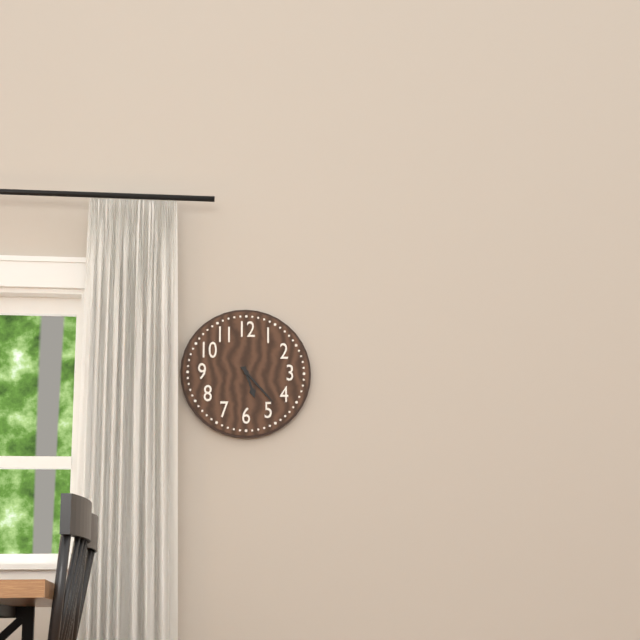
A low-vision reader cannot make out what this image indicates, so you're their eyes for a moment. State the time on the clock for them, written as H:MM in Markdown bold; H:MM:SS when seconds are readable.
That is **5:23**
